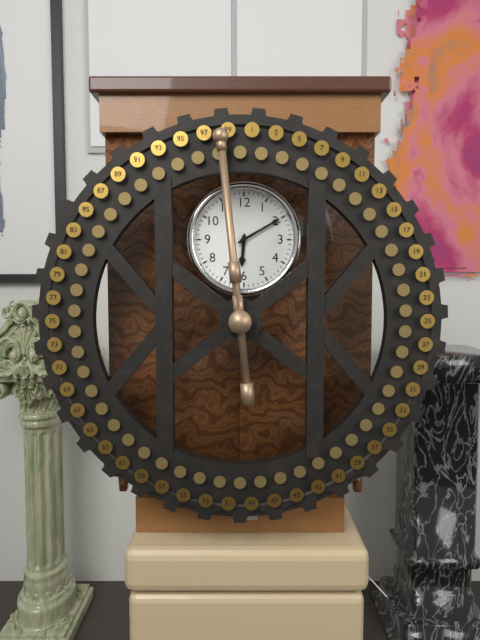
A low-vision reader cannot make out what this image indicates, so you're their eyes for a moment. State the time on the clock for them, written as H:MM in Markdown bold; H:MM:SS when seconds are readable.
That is **6:10**
